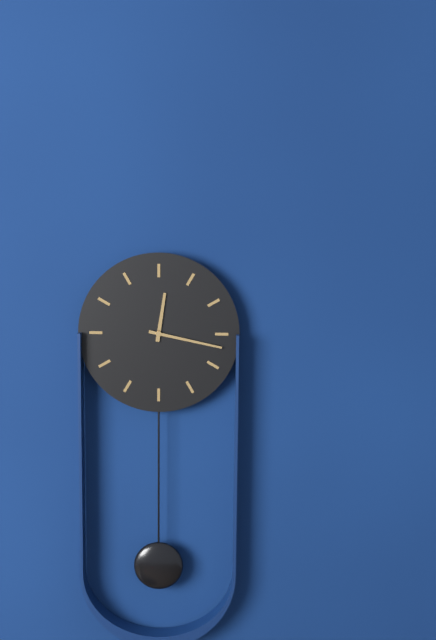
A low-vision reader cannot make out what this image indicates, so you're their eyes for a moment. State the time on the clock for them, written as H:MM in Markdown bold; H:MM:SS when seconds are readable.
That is **12:17**
